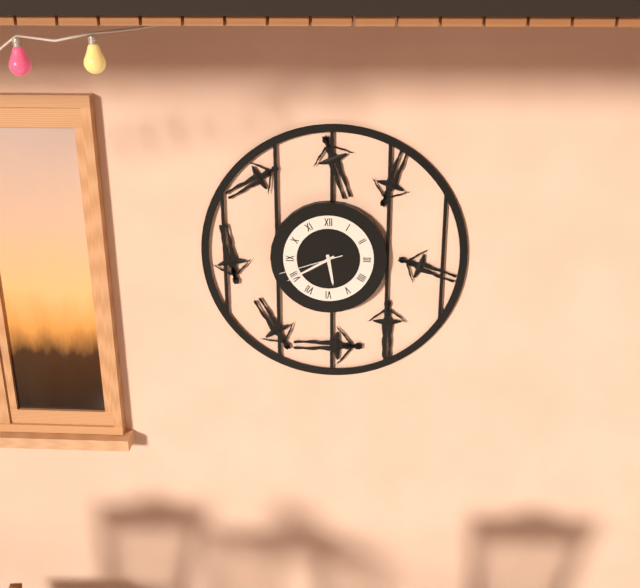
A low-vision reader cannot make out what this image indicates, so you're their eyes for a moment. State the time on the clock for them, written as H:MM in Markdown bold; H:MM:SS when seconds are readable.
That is **5:40:42**
